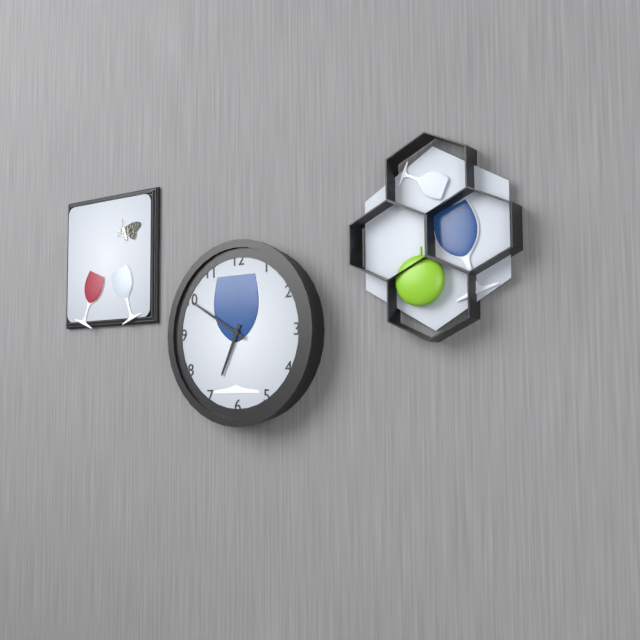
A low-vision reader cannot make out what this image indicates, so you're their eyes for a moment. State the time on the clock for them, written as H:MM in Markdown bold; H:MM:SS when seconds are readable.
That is **6:50**
